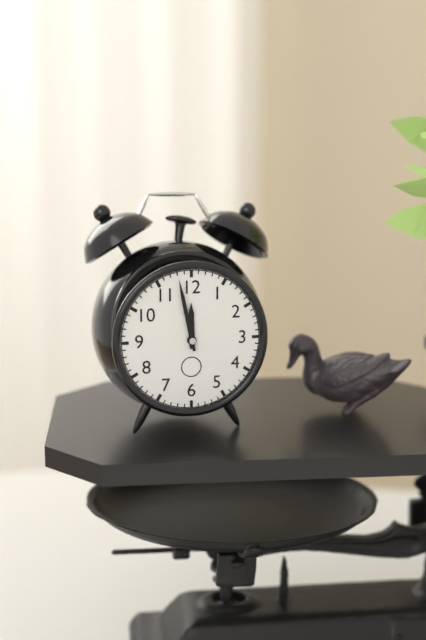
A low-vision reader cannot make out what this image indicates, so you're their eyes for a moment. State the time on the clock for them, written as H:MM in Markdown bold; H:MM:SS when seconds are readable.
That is **11:58**
